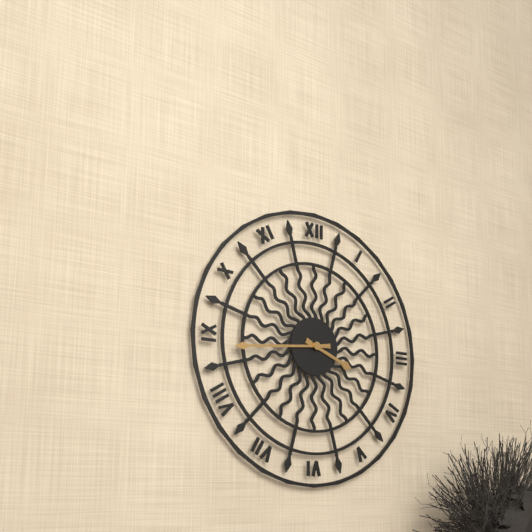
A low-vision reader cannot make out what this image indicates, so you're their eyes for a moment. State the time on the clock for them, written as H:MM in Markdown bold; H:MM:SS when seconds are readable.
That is **3:44**
